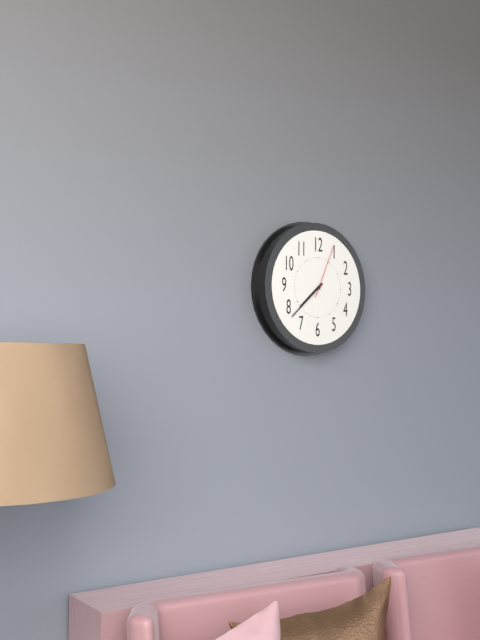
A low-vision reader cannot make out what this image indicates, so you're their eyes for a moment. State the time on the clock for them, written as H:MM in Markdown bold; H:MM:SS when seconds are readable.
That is **7:38:04**
